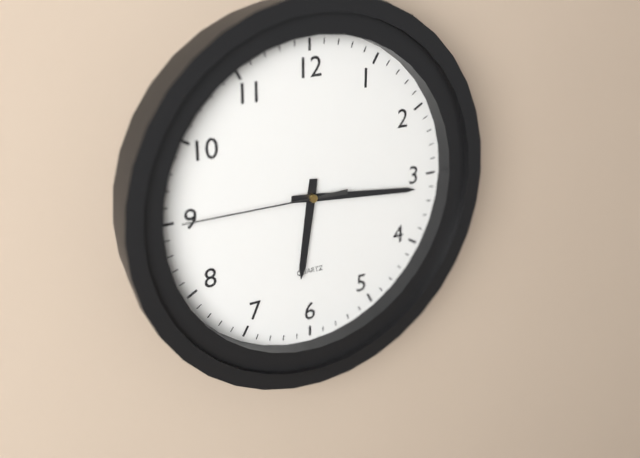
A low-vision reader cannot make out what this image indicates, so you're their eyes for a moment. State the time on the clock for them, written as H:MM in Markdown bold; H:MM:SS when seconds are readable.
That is **6:16:45**
